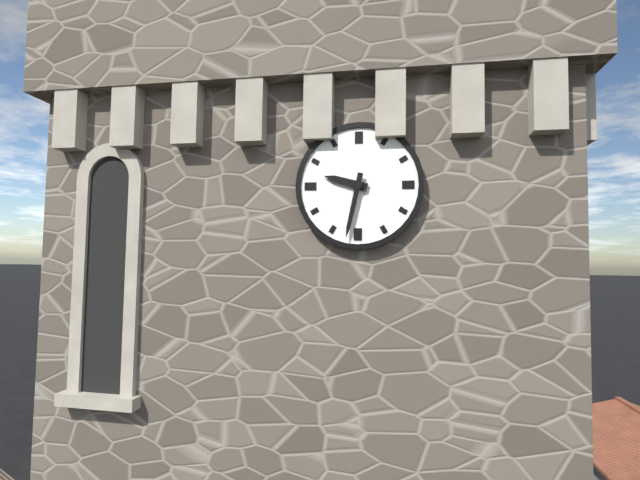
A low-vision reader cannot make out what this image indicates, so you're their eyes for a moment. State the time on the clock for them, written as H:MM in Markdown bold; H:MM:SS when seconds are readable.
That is **9:32**
